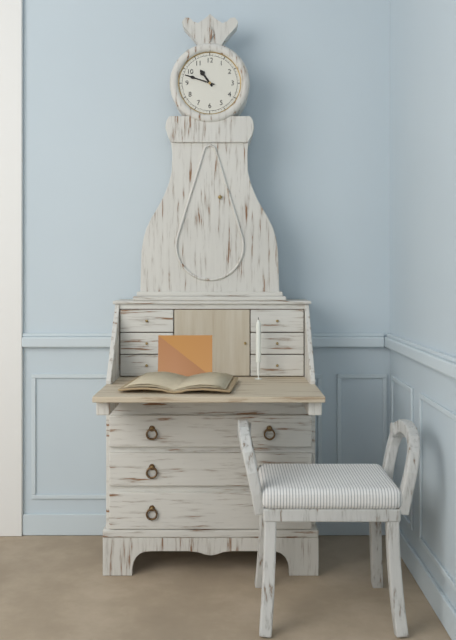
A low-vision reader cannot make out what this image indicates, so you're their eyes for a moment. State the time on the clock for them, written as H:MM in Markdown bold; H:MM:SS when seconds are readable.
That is **10:48**
